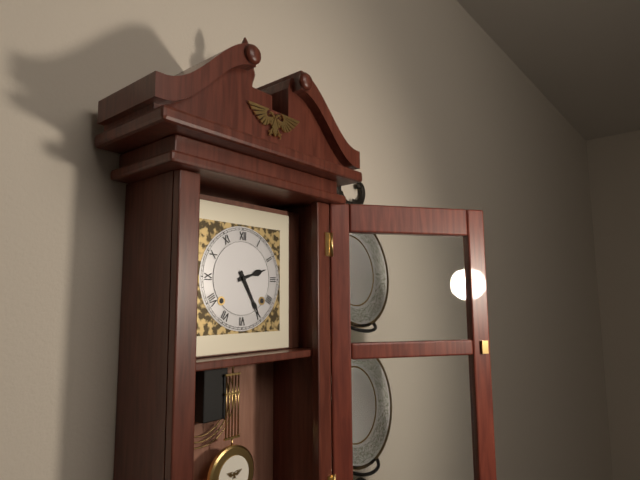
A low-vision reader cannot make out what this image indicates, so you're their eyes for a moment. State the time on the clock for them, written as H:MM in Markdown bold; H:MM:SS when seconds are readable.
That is **2:25**
